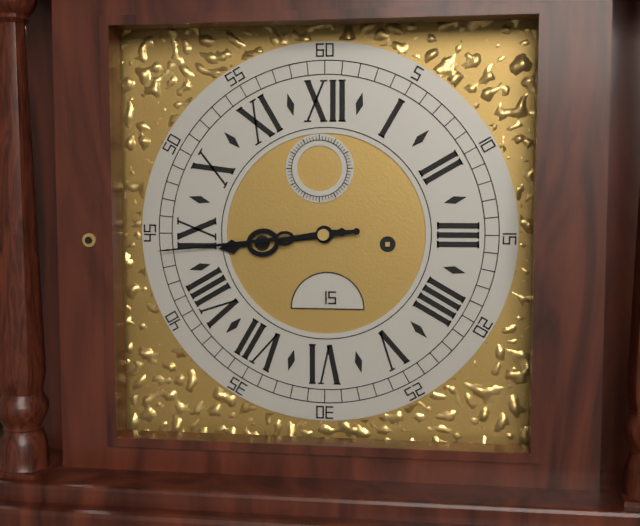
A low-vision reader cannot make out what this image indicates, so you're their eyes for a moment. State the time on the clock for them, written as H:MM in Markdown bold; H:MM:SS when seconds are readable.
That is **8:44**
